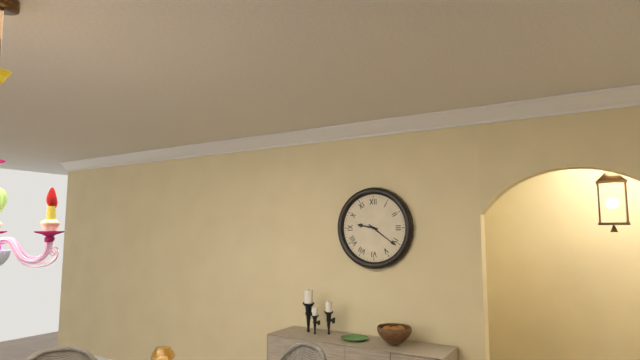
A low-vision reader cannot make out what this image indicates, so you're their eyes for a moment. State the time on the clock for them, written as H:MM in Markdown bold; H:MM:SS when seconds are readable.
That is **9:21**
